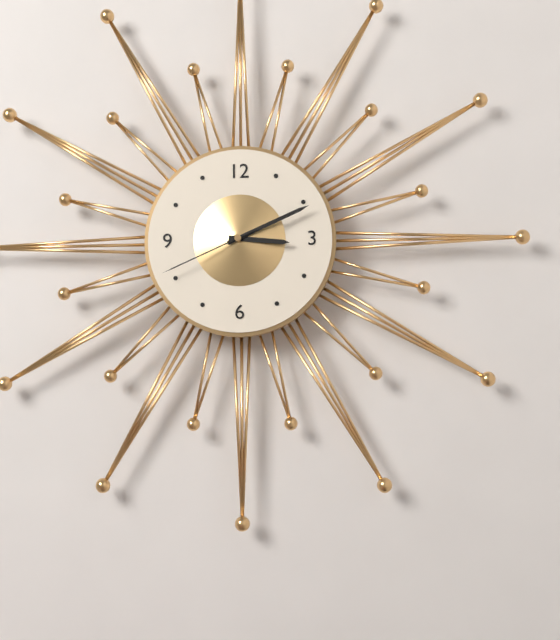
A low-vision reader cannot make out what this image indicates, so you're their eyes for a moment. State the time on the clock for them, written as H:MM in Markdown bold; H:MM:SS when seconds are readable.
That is **3:11:41**
